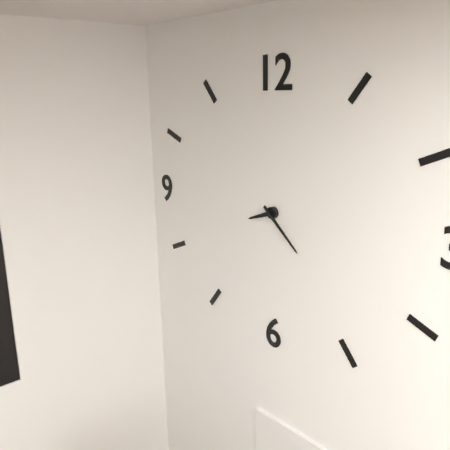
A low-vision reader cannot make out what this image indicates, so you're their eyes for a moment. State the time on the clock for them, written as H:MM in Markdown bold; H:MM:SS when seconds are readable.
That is **8:22**
